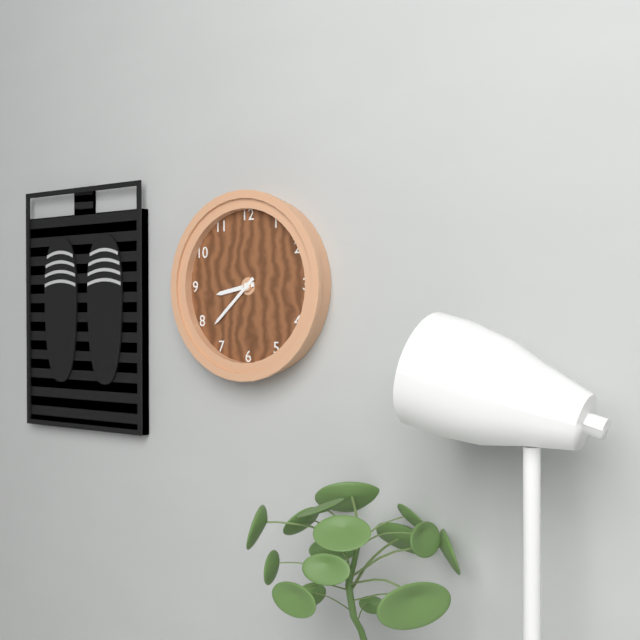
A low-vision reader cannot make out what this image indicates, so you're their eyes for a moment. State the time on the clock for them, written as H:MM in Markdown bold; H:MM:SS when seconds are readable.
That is **8:38**
